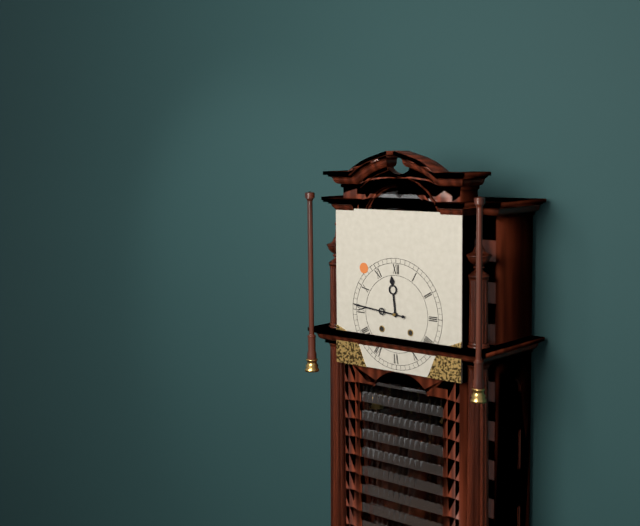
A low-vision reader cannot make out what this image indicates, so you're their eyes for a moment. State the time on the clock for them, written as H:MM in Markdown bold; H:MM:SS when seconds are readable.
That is **11:46**
